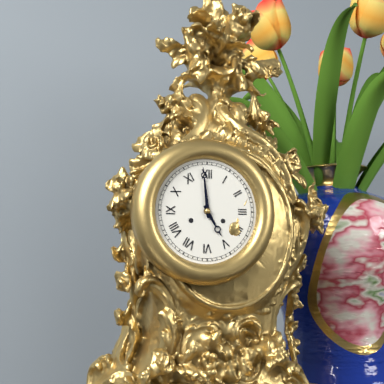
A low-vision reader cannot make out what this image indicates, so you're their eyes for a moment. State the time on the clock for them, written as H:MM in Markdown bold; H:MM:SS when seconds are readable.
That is **4:59**
